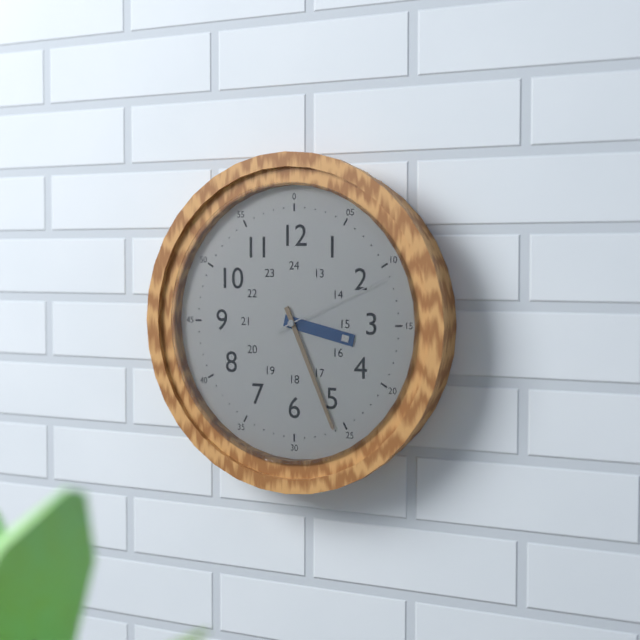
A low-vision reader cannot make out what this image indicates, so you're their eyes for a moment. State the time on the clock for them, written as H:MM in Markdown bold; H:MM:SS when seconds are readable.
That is **3:26:11**
